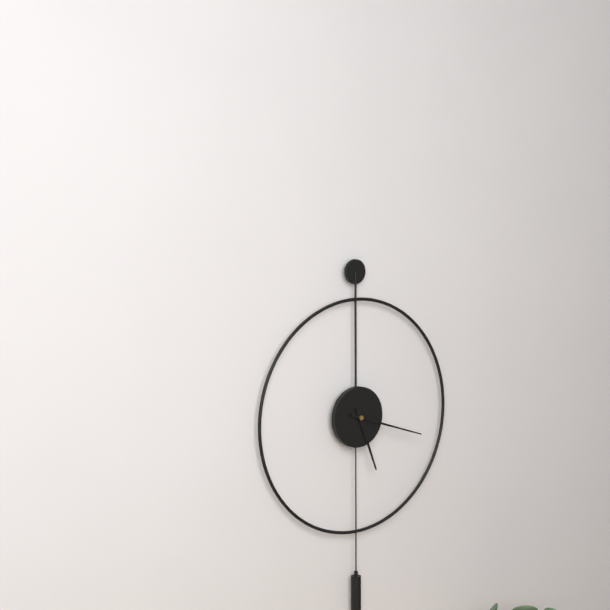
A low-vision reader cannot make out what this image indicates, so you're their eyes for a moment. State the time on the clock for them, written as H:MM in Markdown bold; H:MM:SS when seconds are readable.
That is **5:18**
